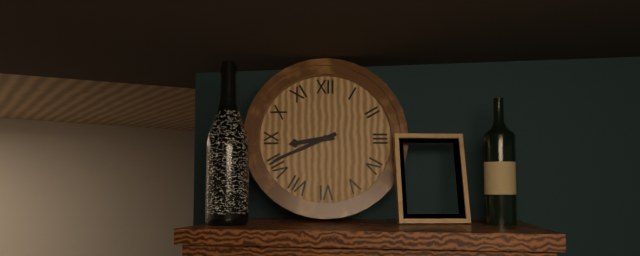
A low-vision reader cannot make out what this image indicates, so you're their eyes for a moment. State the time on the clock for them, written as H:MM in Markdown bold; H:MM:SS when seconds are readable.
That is **8:41**
